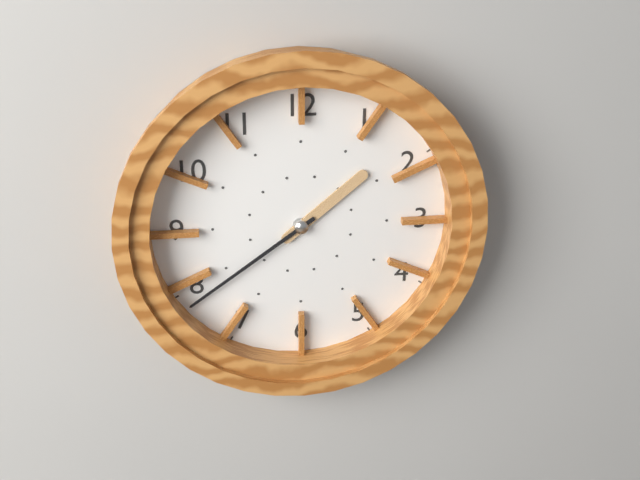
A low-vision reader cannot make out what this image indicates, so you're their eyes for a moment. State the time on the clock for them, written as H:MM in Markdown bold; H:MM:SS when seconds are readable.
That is **1:39**
